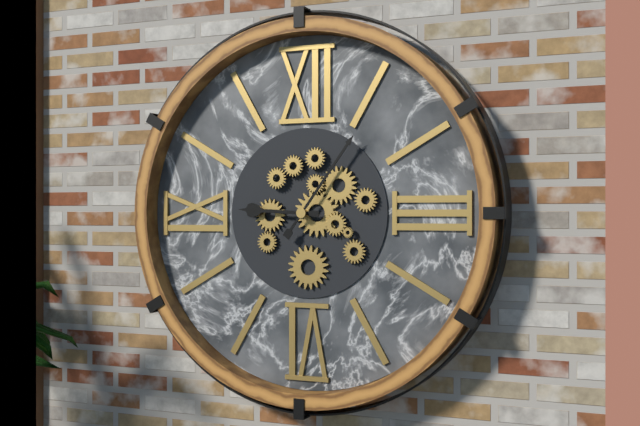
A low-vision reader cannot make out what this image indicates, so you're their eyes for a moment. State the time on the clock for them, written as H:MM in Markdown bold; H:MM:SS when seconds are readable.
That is **9:06**
